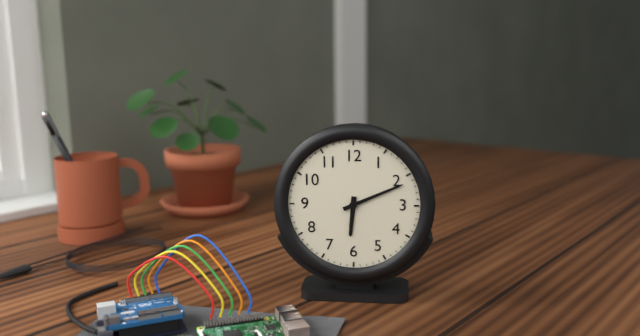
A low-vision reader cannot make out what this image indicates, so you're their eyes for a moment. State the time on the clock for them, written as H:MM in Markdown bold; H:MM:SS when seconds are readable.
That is **6:11**
